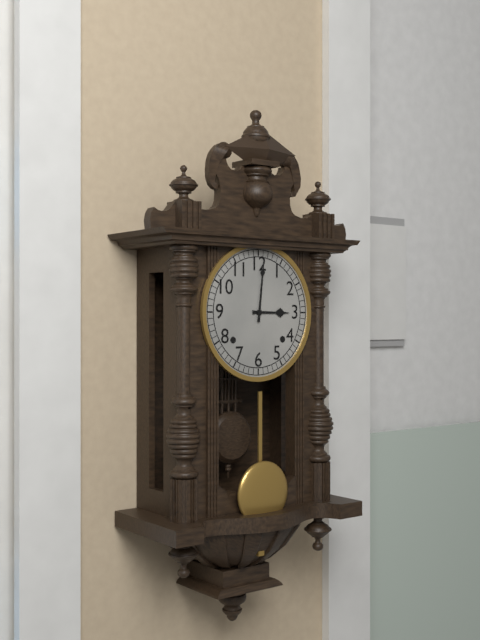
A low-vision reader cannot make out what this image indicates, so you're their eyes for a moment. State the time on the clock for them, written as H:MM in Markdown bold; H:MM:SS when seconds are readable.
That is **3:01**
